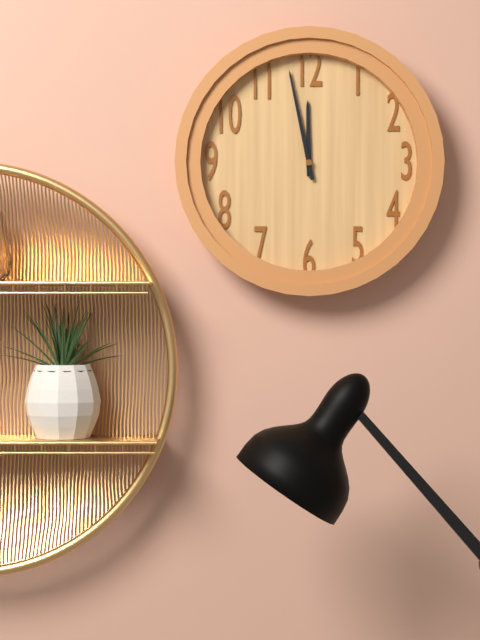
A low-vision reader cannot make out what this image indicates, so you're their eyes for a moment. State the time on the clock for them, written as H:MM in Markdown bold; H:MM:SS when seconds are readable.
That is **11:58**
